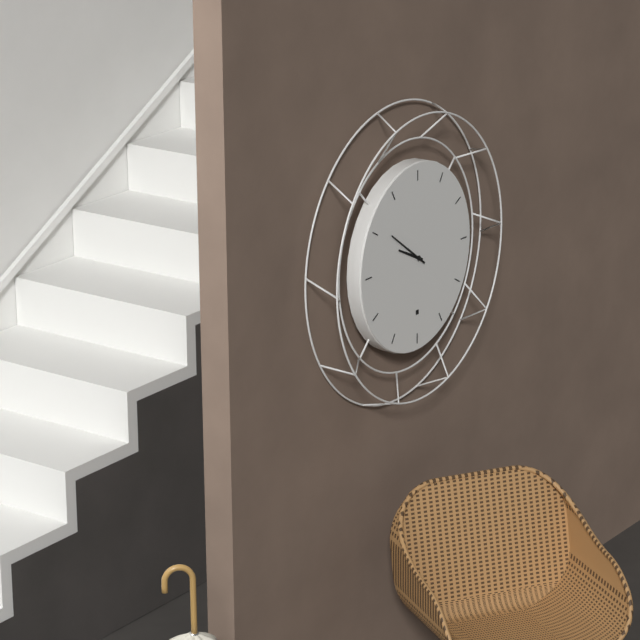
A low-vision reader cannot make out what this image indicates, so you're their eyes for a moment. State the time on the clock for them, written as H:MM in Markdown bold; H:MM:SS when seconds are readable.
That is **9:51**
